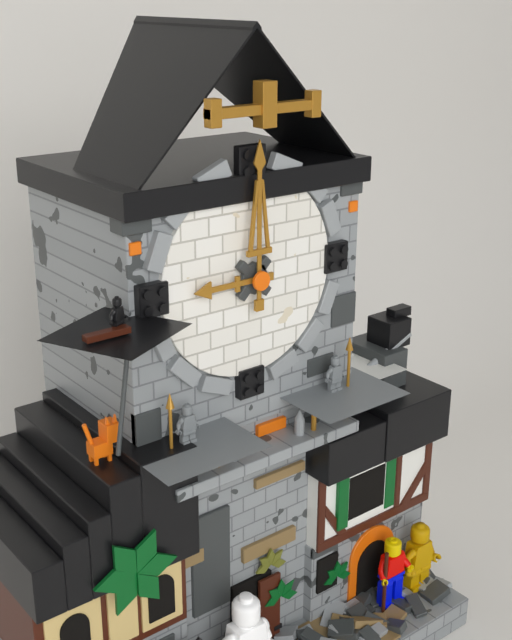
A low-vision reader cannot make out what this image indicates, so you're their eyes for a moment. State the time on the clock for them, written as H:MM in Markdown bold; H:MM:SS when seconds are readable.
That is **9:00**
